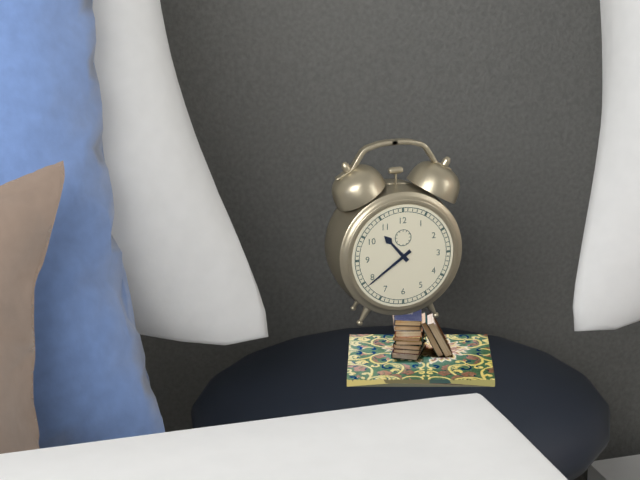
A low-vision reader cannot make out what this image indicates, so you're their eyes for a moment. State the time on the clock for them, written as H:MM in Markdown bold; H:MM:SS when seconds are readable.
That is **10:39**
